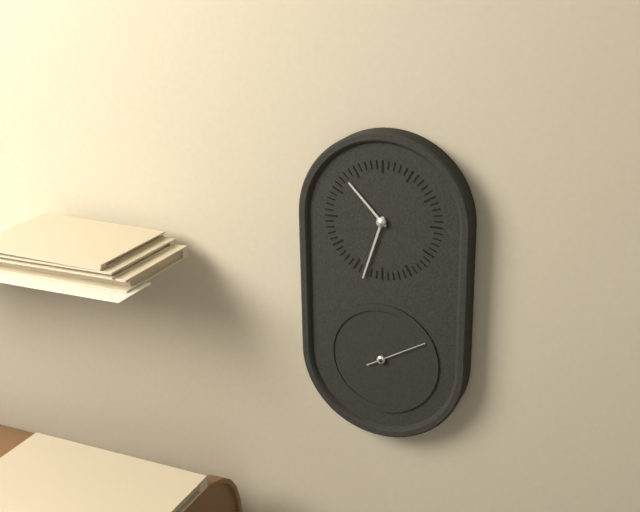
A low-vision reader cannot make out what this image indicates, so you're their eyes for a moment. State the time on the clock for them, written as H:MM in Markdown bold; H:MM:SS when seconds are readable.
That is **10:33:10**
